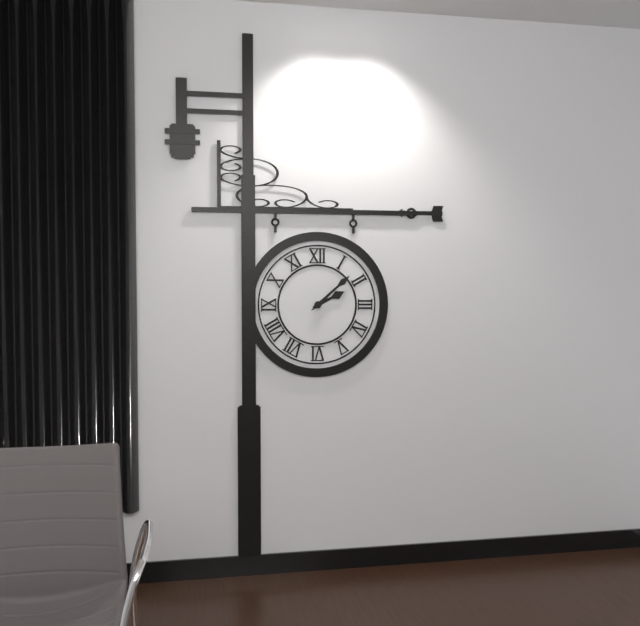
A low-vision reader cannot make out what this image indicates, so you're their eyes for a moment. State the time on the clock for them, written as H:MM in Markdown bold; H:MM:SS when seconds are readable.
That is **2:08**
